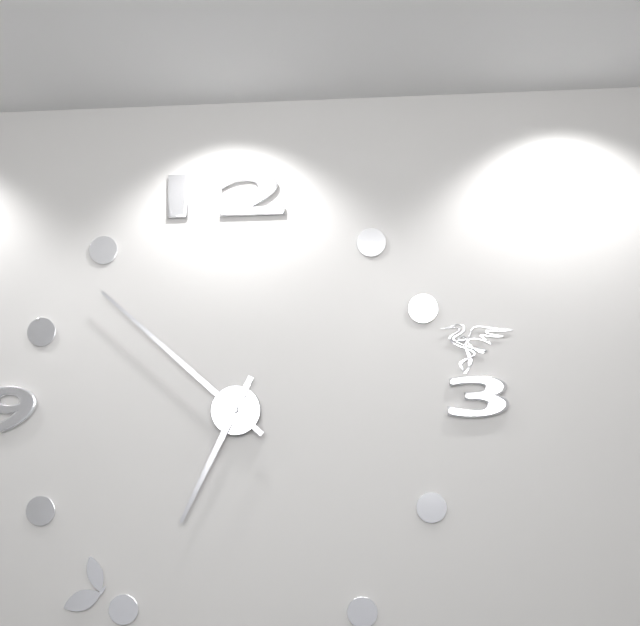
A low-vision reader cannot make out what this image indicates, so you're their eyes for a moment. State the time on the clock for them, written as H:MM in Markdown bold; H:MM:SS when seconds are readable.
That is **6:52**
